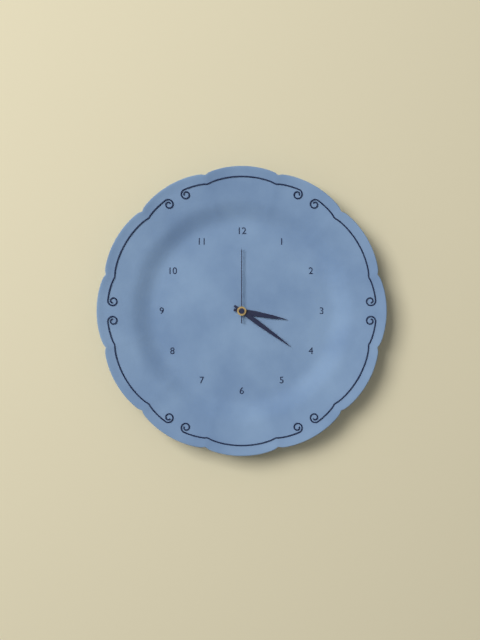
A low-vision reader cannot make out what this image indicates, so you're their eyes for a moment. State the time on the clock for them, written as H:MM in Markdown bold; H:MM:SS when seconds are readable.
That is **3:21:00**
